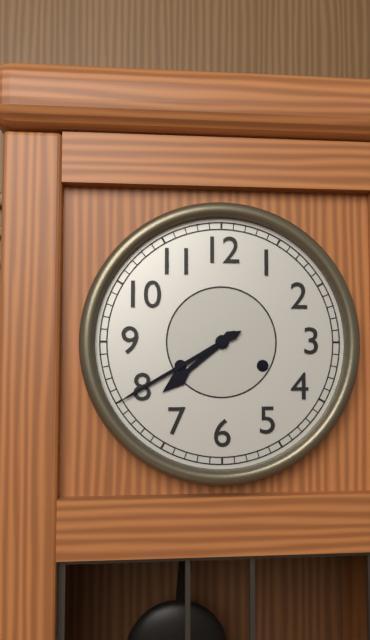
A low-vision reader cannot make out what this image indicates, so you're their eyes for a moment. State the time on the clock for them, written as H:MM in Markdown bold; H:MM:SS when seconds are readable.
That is **7:40**
